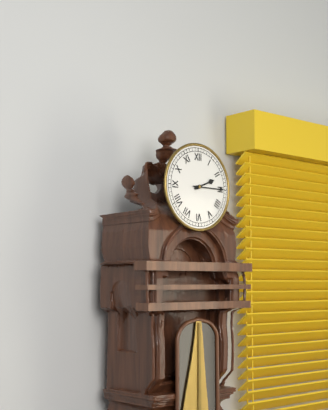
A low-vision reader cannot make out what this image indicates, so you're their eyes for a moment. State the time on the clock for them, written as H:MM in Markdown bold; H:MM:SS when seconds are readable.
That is **2:15**
